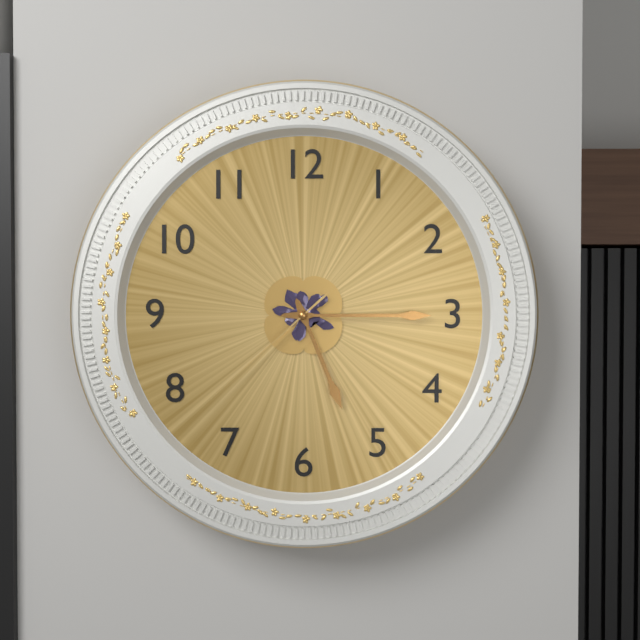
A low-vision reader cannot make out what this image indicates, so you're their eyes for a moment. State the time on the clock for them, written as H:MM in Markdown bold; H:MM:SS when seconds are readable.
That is **5:15:38**
